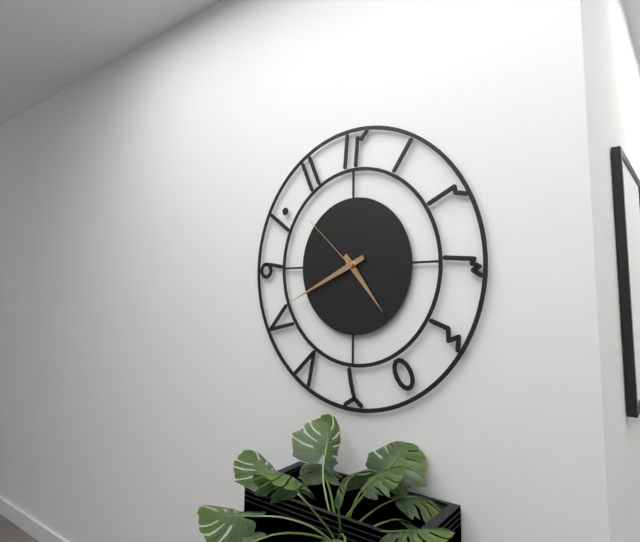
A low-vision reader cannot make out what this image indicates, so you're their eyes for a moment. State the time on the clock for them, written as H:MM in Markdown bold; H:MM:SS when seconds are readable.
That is **4:41:52**
